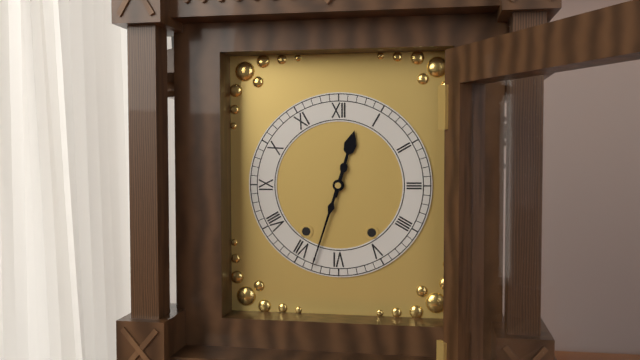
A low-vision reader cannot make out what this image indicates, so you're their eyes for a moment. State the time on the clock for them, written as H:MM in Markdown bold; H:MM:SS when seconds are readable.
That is **12:33**
